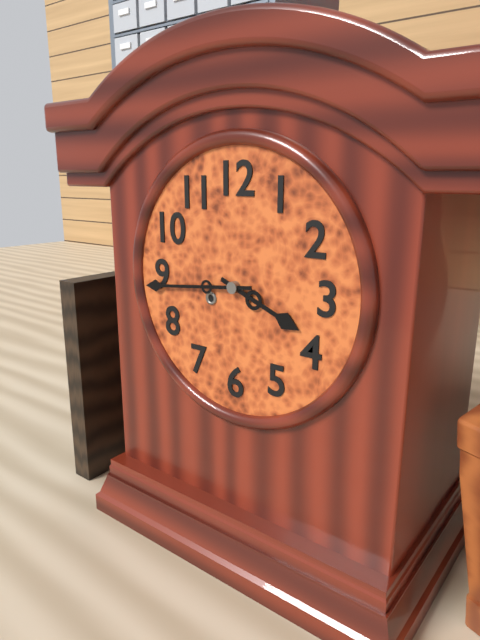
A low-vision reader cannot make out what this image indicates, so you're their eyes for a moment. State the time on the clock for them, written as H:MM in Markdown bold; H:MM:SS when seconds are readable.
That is **3:44**
